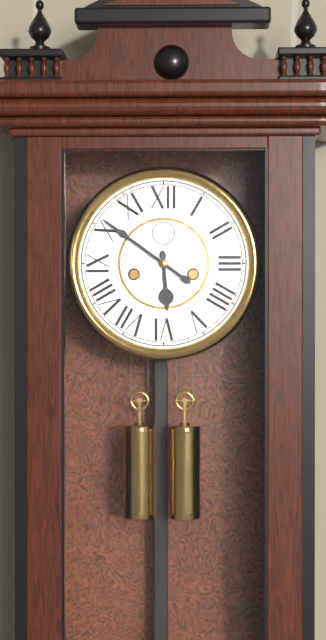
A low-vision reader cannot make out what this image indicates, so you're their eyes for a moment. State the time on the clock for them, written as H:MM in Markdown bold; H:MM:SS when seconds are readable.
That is **5:51**
